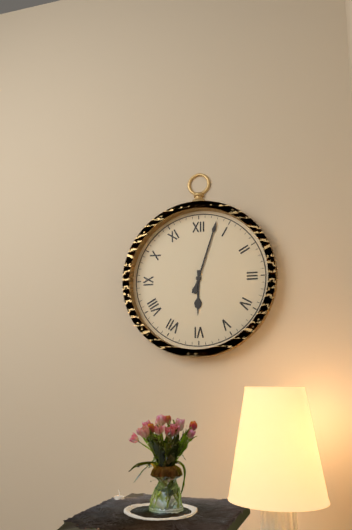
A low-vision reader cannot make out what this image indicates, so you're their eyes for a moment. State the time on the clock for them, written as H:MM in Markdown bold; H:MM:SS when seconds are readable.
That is **6:03**
